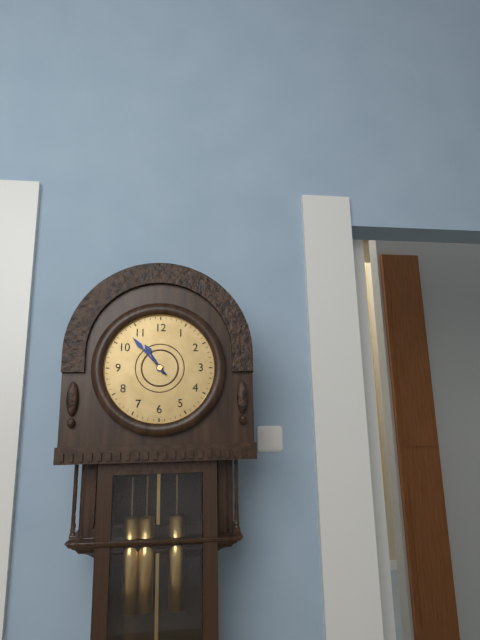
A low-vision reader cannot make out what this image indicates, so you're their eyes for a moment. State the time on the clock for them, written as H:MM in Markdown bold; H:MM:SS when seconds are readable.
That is **10:53**
